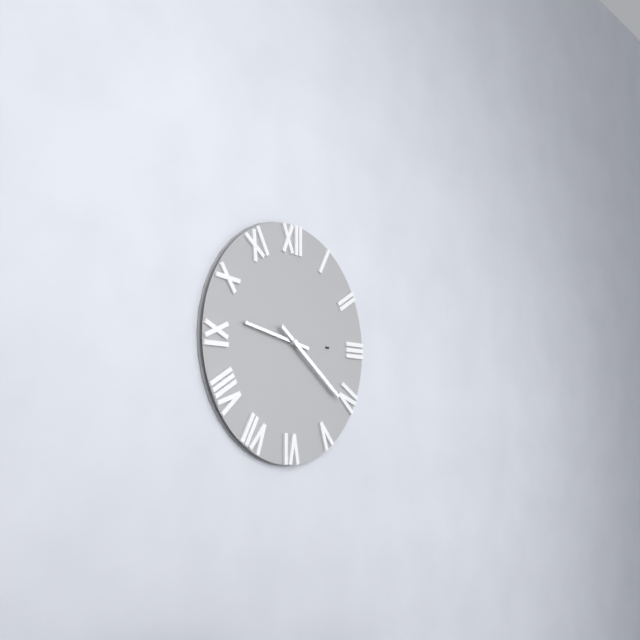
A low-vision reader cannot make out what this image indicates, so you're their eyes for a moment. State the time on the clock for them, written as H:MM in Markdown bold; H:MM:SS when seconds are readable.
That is **9:21**
